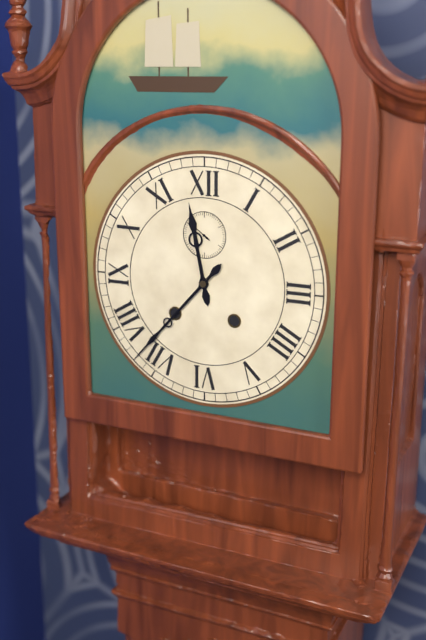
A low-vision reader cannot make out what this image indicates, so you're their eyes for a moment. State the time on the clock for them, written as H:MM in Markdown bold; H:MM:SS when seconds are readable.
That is **11:37**
